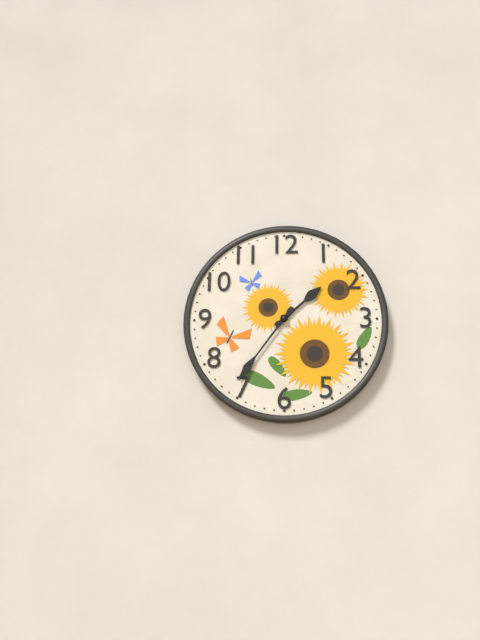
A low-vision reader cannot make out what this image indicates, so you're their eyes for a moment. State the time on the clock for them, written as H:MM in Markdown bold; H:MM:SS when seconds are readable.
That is **1:36**
